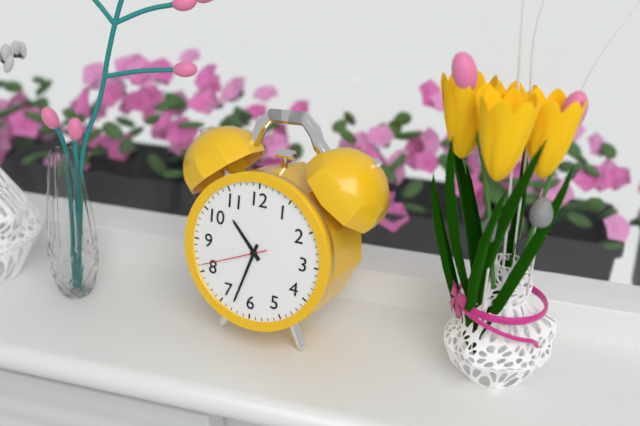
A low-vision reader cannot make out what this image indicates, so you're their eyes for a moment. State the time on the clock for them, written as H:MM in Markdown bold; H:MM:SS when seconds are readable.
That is **10:33:41**
